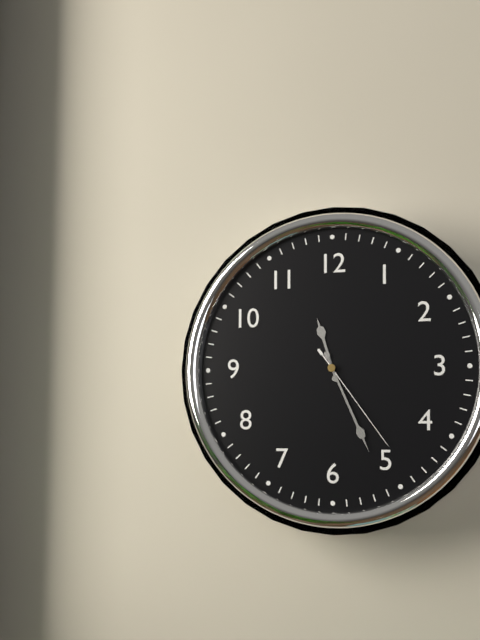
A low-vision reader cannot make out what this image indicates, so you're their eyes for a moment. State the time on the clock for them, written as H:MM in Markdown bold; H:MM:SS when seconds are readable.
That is **11:26:24**
